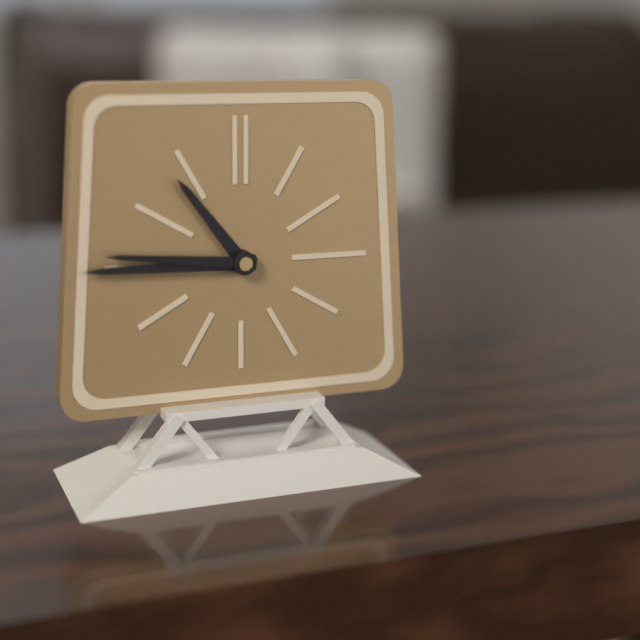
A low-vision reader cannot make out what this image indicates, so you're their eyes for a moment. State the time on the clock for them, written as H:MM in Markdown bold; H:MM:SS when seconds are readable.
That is **10:45:46**
